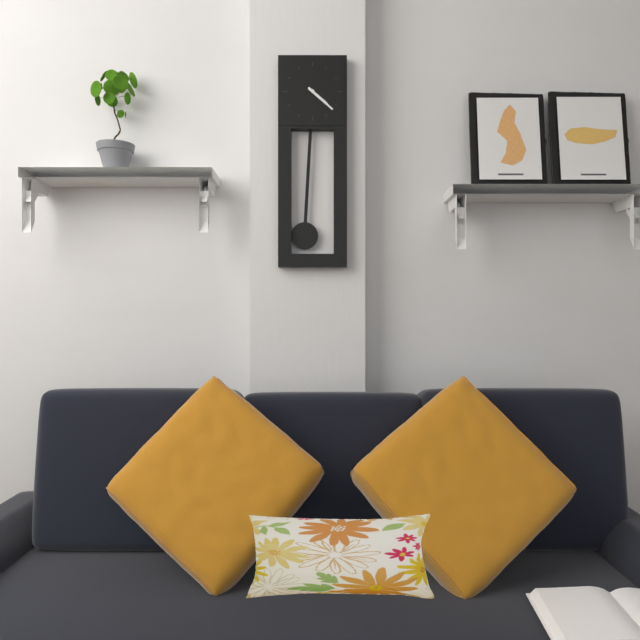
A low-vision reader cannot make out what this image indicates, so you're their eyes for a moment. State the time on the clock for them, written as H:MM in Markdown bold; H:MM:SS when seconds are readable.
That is **4:22**
